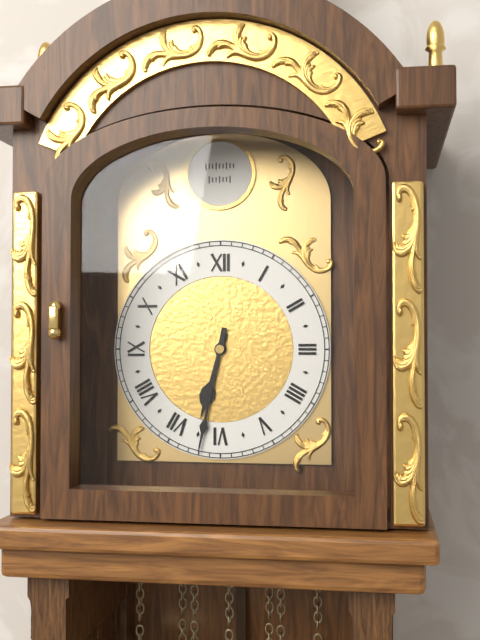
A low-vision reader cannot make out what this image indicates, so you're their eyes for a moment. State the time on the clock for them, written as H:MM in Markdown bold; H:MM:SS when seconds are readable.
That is **6:32**
